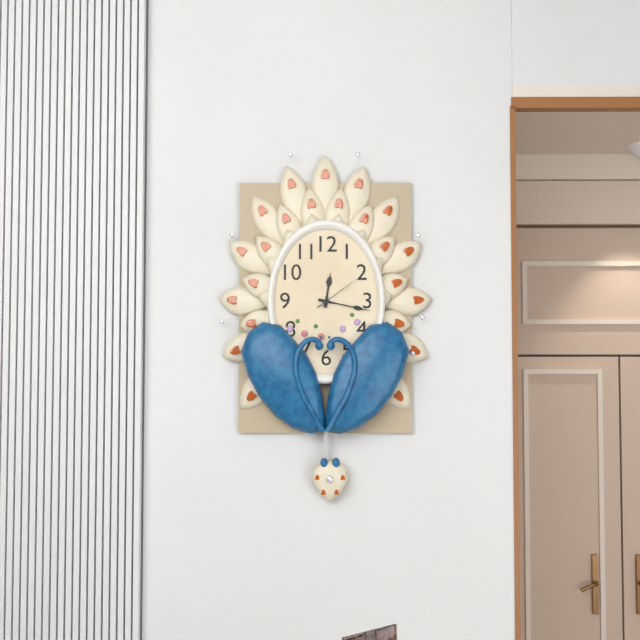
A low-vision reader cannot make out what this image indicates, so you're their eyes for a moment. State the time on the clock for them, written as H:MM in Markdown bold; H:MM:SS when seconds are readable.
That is **12:17:09**
